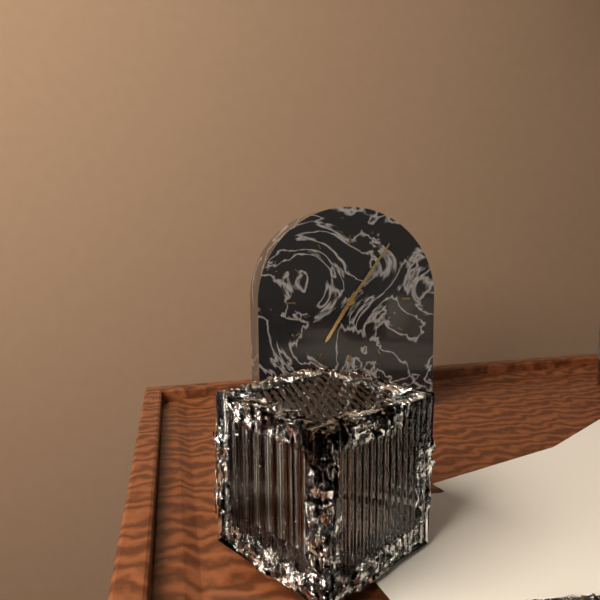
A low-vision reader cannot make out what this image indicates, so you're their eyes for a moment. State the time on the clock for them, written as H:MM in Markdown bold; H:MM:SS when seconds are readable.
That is **7:06**
